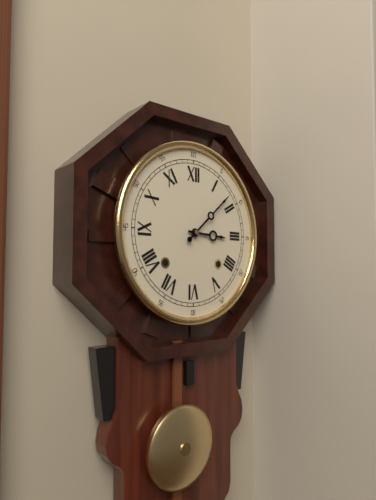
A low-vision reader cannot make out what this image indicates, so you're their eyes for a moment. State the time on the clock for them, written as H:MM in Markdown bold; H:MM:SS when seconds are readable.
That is **3:08**
